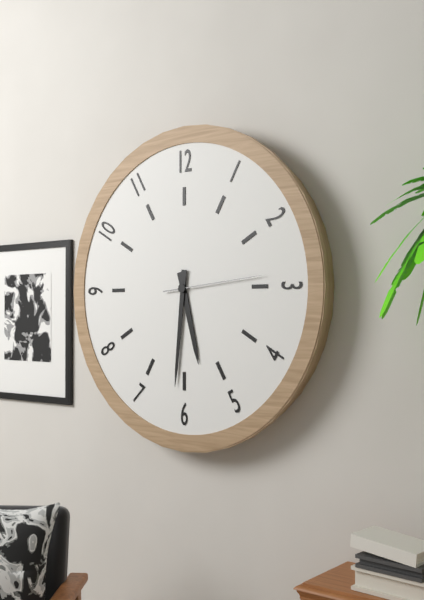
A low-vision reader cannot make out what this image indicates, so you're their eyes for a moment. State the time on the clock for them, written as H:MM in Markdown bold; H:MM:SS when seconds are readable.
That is **5:31:14**
